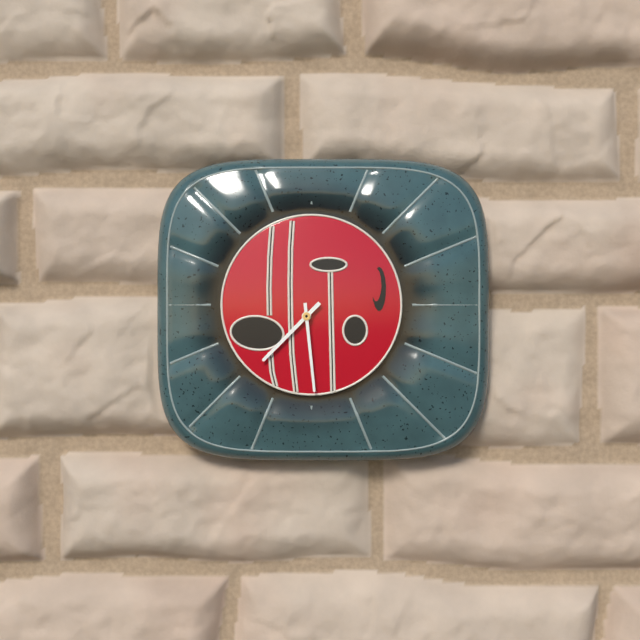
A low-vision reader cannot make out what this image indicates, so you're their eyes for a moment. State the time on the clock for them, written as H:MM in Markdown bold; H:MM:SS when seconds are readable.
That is **7:29**
